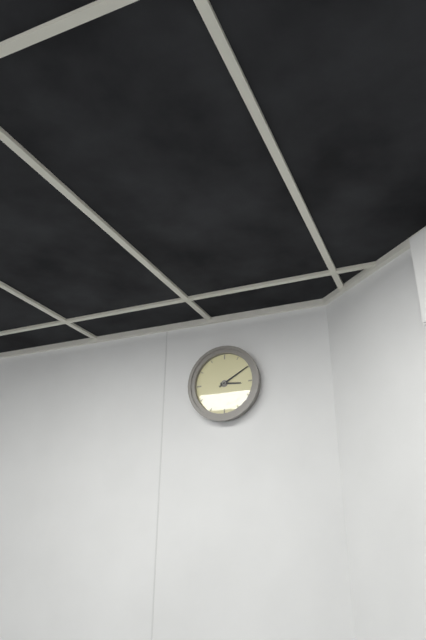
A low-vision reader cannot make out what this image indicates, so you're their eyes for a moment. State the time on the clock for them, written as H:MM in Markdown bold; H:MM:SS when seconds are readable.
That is **3:10**
